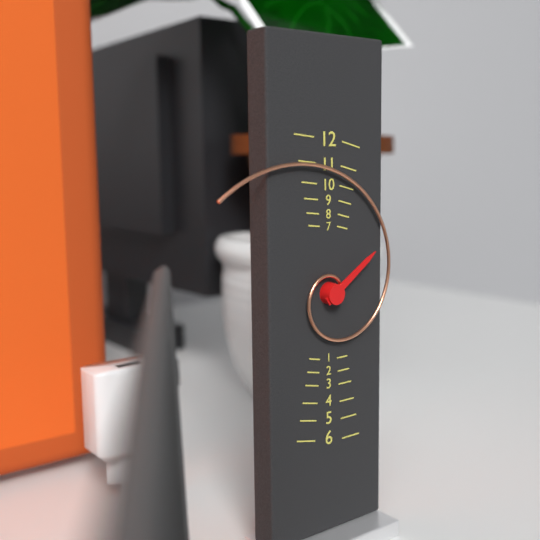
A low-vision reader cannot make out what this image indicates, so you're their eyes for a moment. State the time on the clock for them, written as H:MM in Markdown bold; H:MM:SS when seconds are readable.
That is **1:51**
